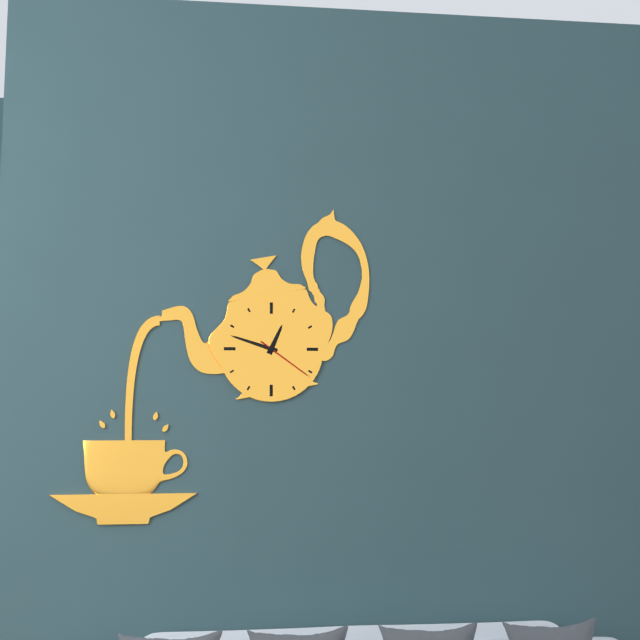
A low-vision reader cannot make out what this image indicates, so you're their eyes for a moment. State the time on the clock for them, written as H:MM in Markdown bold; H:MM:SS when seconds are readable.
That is **12:48:21**
